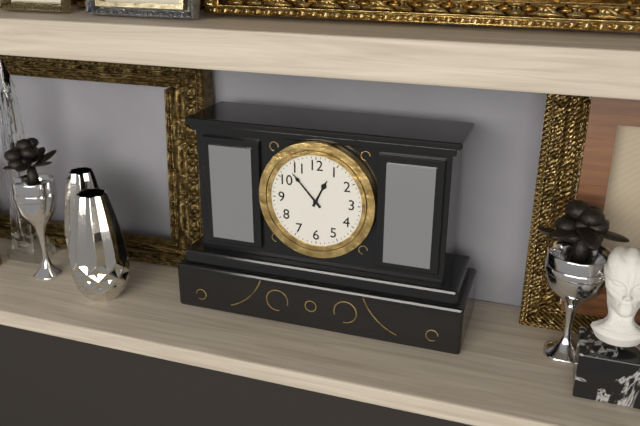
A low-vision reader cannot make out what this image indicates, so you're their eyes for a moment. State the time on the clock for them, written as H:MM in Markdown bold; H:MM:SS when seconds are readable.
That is **12:53**
